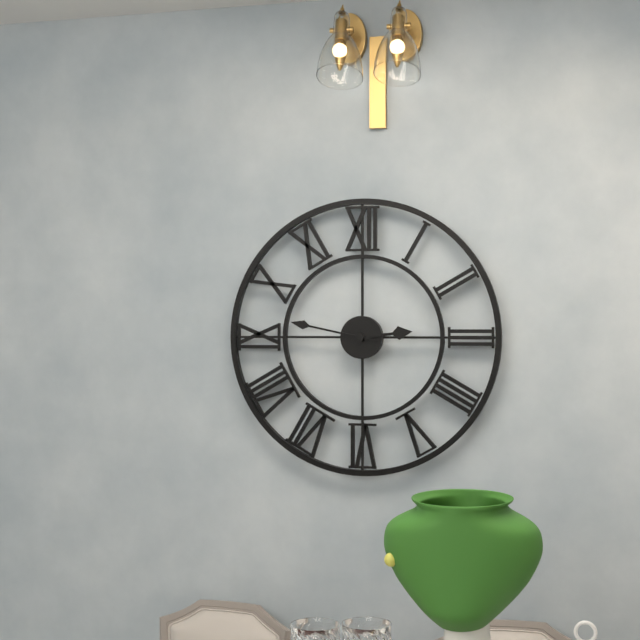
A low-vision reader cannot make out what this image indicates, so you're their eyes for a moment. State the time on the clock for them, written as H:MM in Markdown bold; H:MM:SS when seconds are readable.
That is **2:47**
